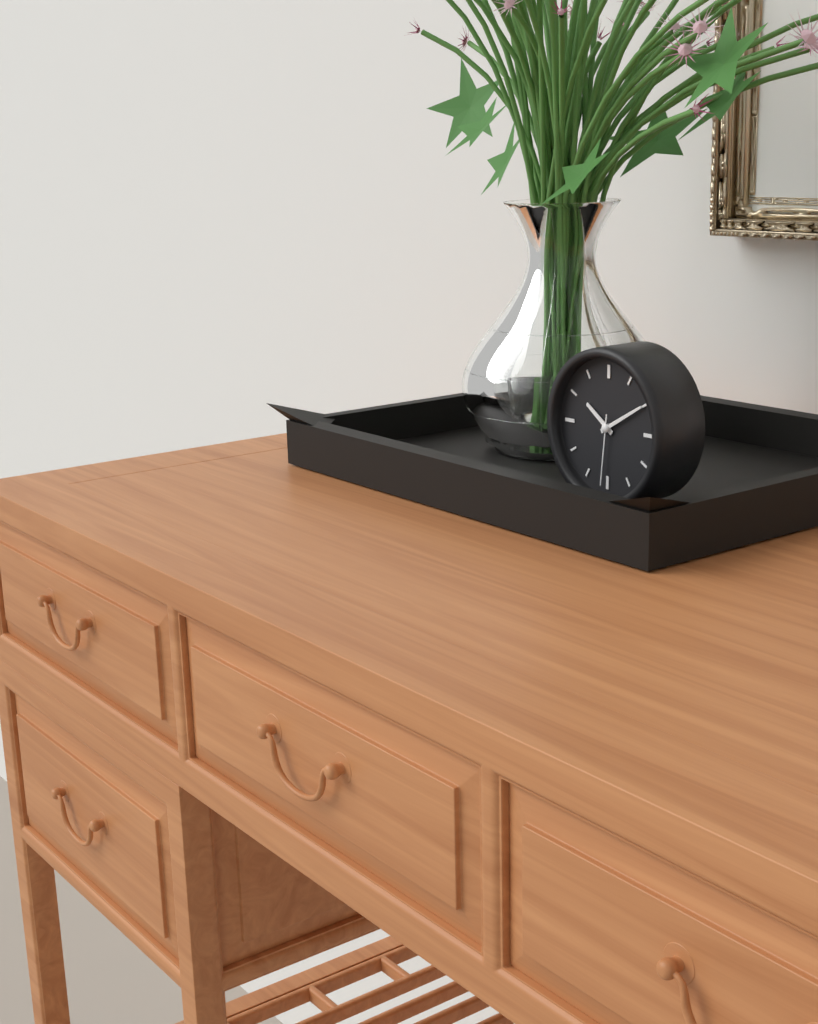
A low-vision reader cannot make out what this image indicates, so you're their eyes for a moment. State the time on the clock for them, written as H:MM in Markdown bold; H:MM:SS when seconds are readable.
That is **10:10:31**
